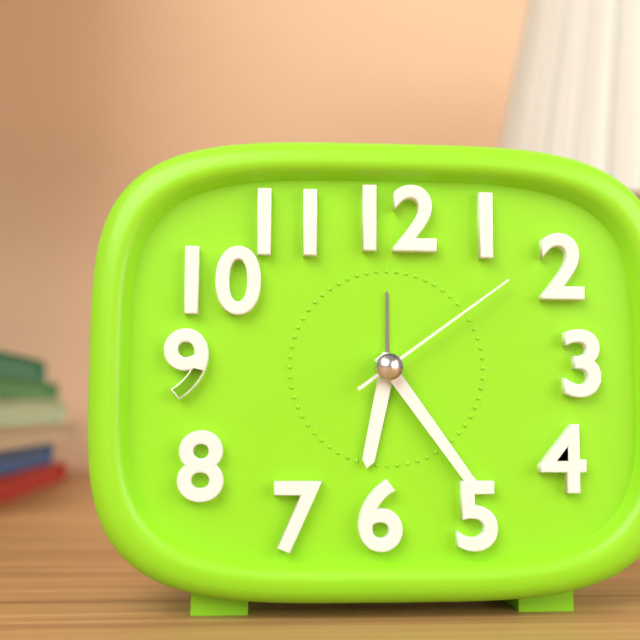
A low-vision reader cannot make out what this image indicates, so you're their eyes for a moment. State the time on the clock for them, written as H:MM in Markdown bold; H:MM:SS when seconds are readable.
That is **6:24:09**
